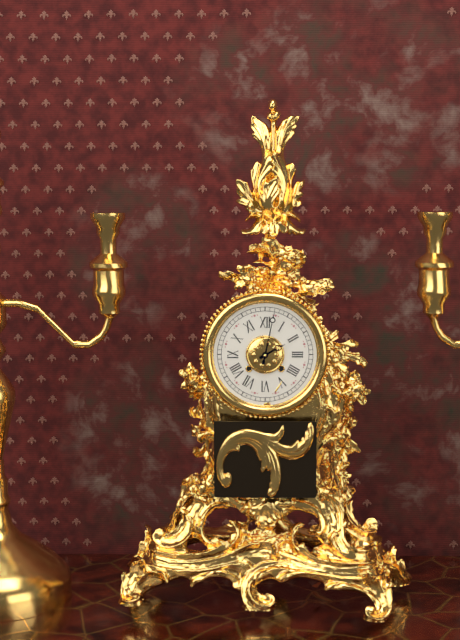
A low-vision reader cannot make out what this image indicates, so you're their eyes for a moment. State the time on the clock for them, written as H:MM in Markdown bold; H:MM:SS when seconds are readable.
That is **2:02**
